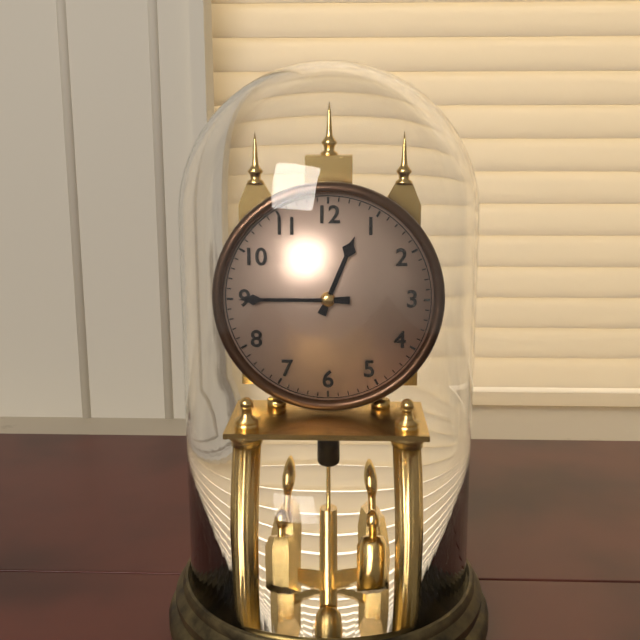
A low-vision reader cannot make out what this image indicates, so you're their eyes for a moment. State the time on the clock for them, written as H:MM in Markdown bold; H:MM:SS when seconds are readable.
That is **12:45**
